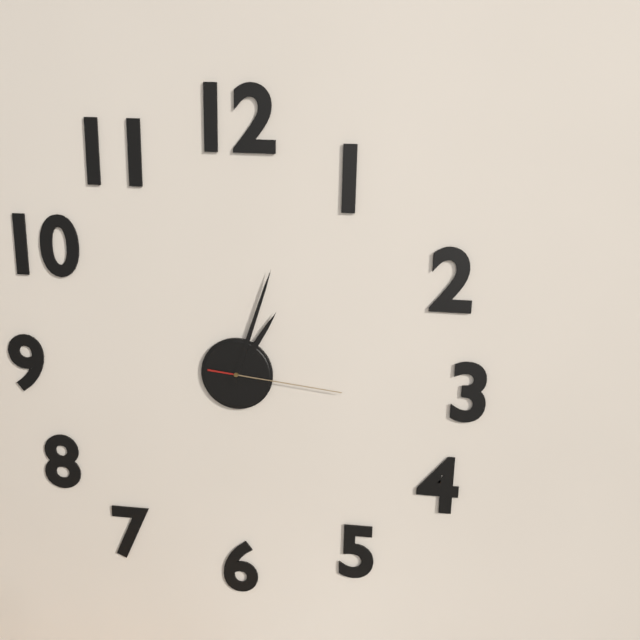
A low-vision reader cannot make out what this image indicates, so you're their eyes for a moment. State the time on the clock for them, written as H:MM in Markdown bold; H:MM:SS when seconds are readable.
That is **1:03:16**
